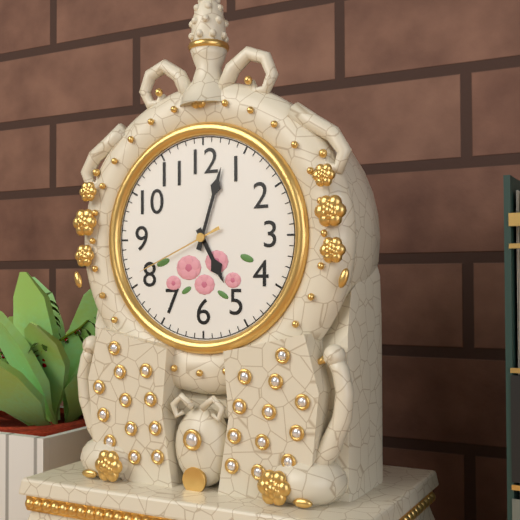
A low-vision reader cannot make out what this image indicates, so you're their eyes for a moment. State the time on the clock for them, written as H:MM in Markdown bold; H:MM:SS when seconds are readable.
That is **5:03:41**
